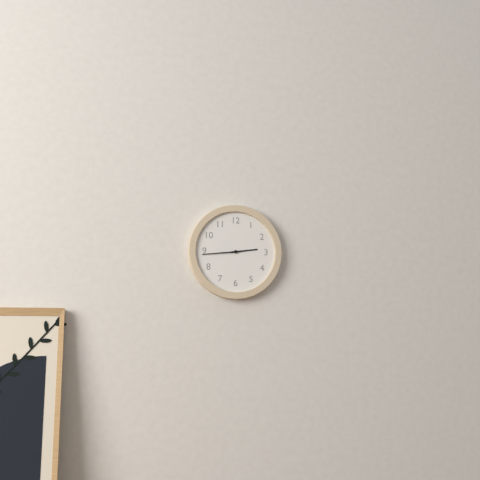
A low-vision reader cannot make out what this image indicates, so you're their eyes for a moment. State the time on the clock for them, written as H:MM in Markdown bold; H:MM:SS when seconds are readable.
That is **2:44**
